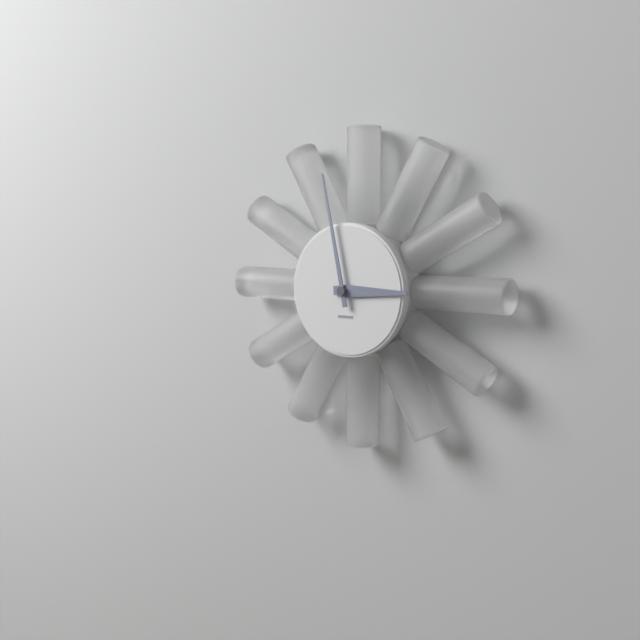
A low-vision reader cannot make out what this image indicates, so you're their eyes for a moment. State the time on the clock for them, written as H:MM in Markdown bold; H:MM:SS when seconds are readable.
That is **2:58**
